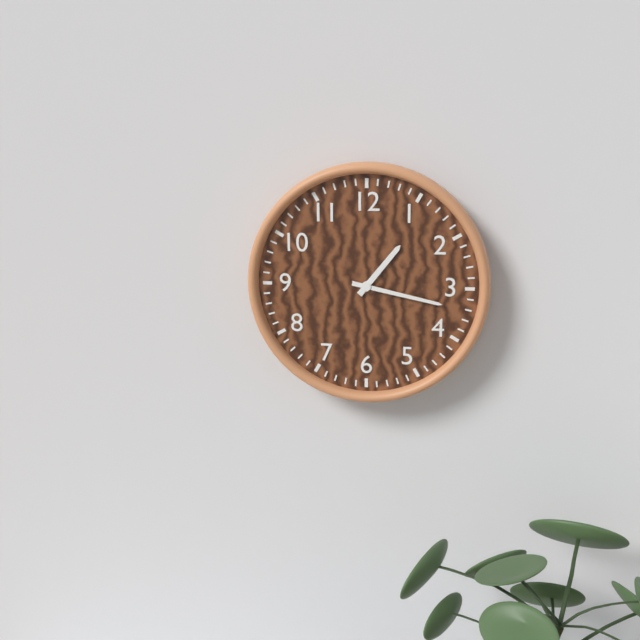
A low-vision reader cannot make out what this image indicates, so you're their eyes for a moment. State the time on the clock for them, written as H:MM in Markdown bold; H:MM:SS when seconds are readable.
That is **1:17**
